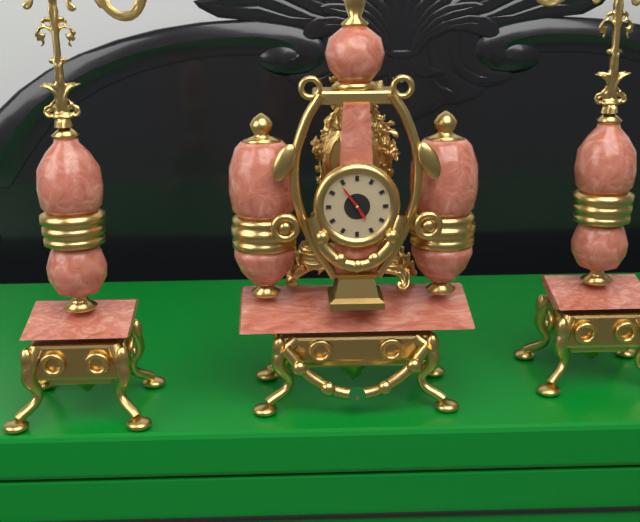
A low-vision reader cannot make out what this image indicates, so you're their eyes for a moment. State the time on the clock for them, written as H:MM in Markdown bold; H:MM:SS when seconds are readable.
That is **4:54**
